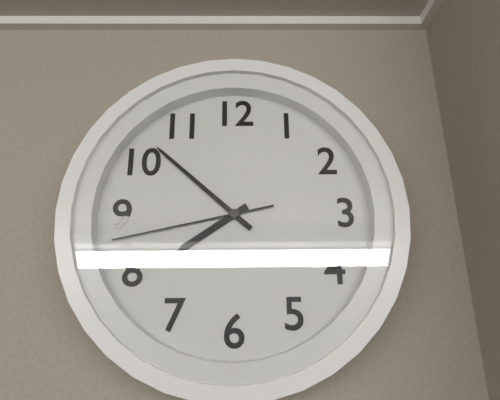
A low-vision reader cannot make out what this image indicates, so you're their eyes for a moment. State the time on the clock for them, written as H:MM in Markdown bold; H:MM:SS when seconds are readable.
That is **7:52:43**
